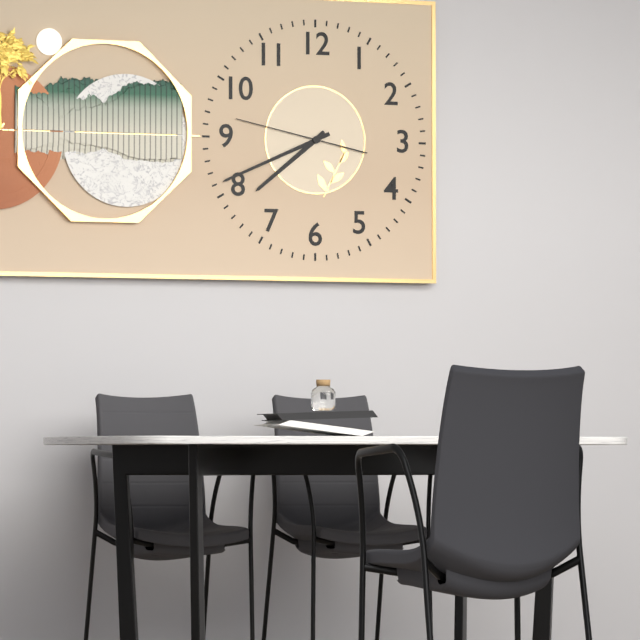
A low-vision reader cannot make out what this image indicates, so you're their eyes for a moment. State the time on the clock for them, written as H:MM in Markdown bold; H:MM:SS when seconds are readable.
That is **7:41:47**
